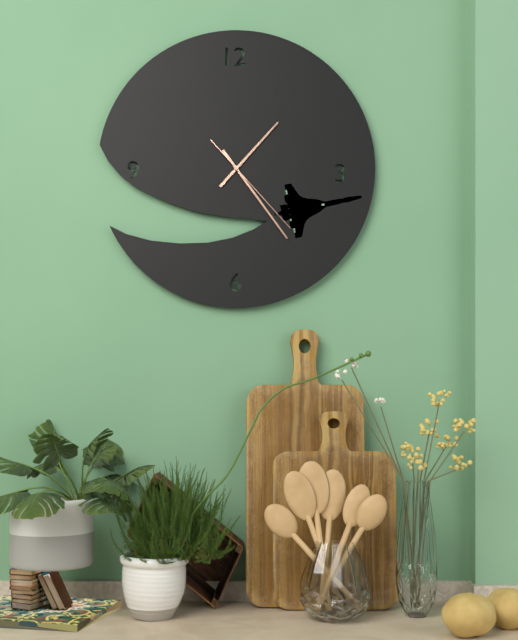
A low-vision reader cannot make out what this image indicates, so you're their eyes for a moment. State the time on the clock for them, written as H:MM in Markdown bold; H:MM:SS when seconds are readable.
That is **1:24:23**
